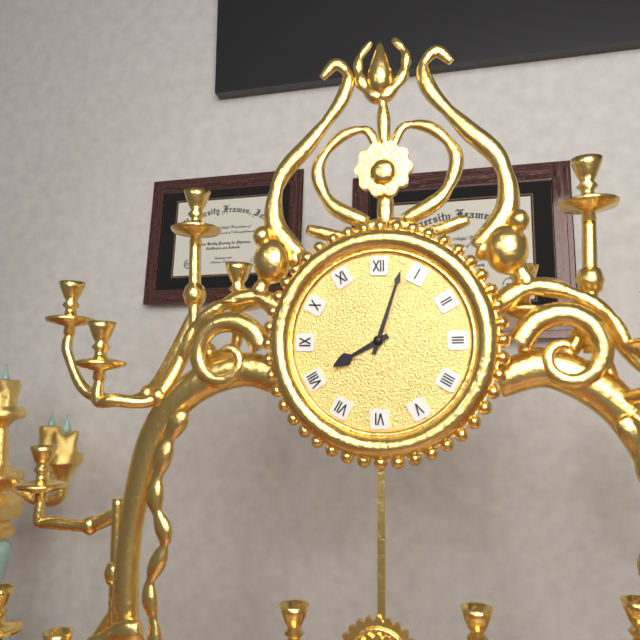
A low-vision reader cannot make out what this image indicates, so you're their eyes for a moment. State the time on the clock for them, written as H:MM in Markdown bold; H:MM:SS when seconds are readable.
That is **8:03**
